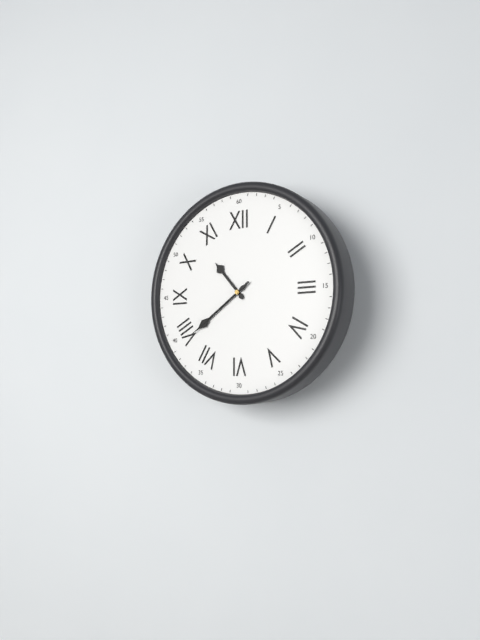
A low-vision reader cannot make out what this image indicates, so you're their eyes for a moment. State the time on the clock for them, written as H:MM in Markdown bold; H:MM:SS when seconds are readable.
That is **10:39:39**
